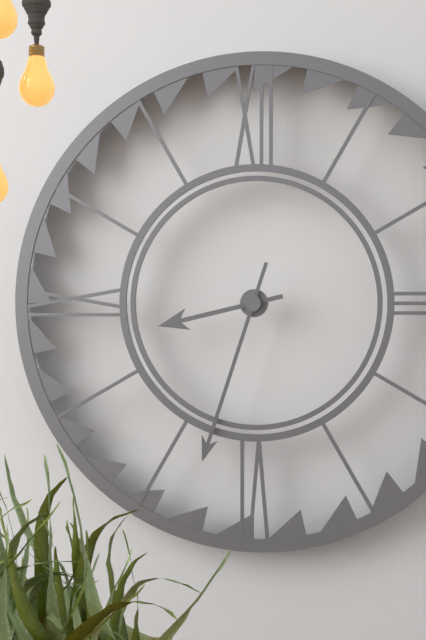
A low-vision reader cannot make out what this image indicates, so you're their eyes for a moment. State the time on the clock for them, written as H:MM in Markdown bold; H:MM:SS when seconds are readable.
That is **8:33**
